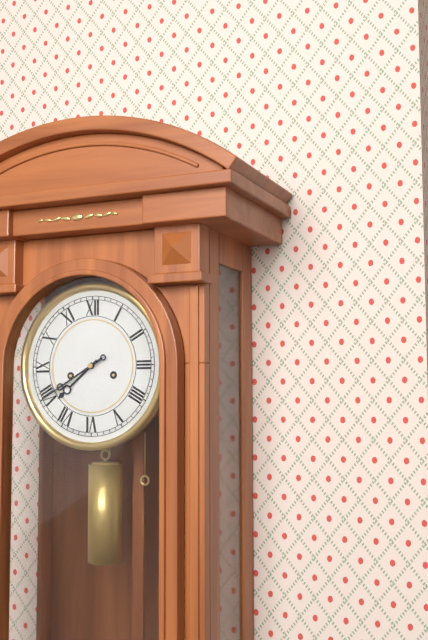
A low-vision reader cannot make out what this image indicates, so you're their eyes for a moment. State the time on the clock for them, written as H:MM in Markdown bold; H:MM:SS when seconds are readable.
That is **7:40**
